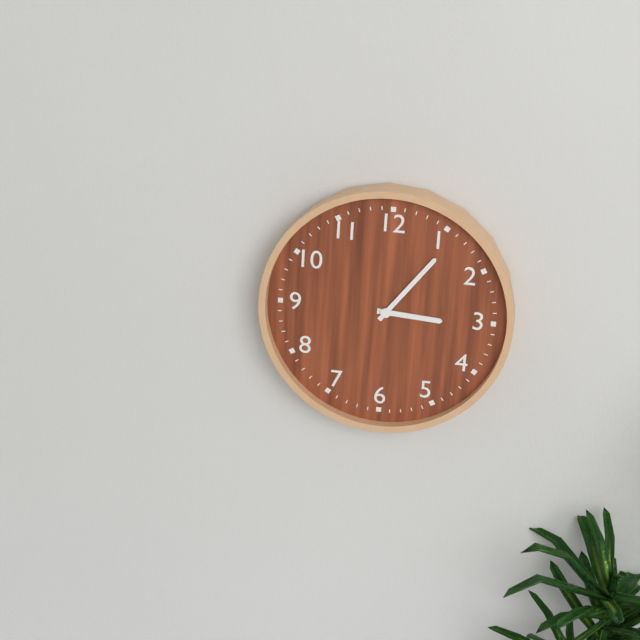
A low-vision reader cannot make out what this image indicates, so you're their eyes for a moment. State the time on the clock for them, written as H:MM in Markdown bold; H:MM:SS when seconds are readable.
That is **3:06**
